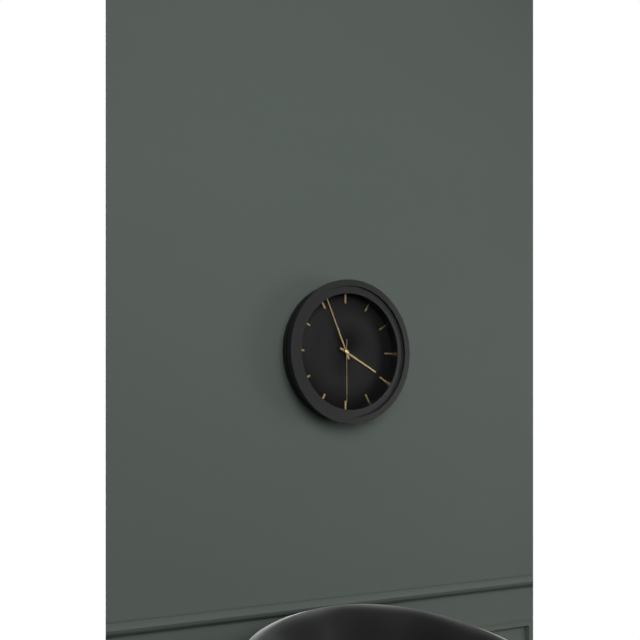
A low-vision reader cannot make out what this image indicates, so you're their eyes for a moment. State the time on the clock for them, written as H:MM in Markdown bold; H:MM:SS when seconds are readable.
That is **3:56:30**
